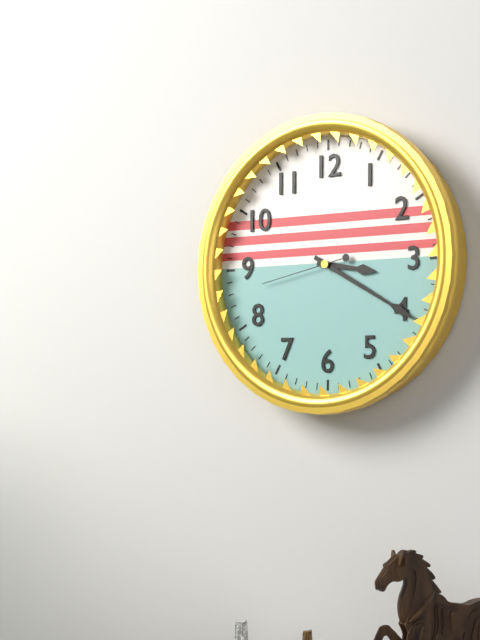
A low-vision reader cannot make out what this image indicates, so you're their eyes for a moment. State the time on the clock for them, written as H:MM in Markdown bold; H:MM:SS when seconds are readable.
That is **3:20:43**
